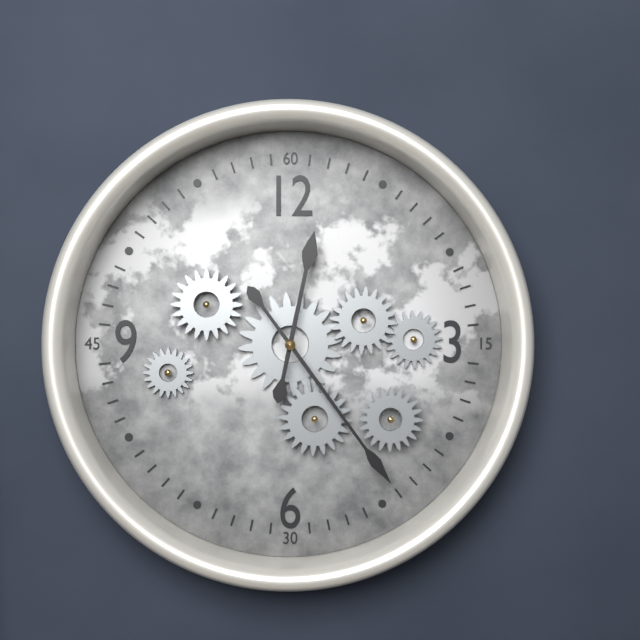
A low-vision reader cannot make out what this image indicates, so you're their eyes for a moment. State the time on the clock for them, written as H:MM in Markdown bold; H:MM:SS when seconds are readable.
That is **12:24**
